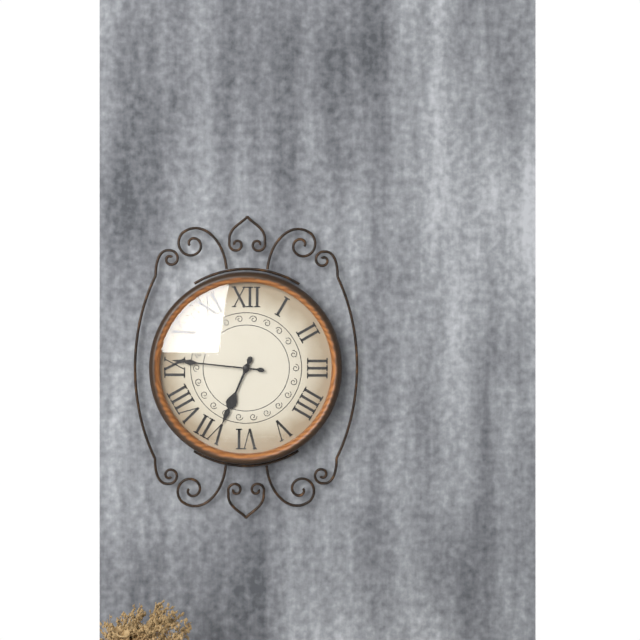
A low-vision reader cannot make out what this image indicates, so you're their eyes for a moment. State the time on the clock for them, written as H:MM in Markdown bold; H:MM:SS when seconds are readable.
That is **6:46**
